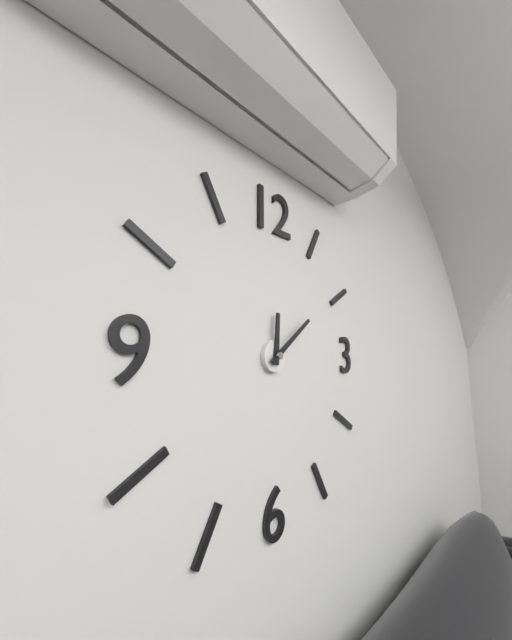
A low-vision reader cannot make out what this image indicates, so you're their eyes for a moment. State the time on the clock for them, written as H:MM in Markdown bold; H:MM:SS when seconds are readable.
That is **12:09**
